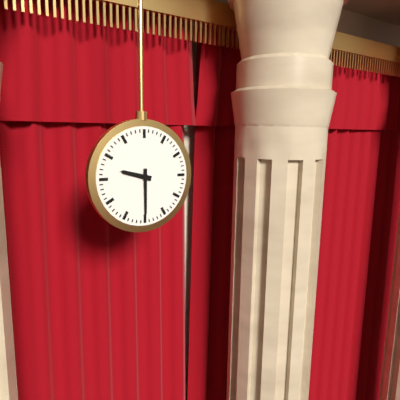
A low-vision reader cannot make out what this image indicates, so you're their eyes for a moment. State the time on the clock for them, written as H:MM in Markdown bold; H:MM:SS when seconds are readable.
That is **9:30**
